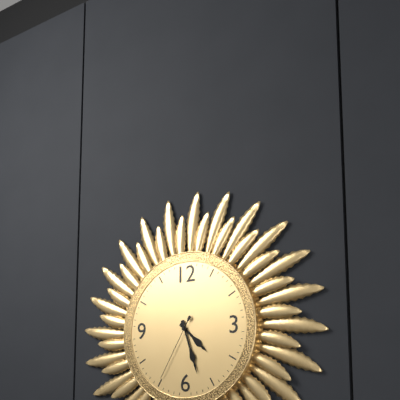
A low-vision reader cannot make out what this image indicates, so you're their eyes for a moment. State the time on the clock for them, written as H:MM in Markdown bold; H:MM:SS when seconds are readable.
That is **4:27:35**
